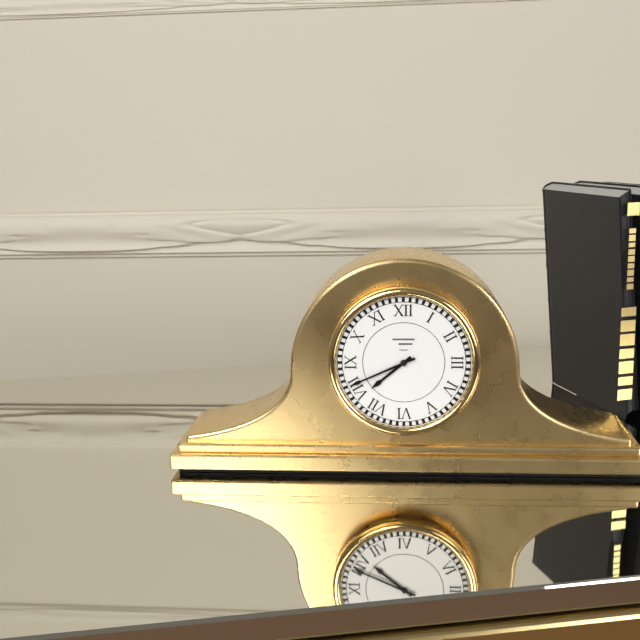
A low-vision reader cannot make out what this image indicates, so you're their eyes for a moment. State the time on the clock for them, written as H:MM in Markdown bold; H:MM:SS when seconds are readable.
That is **7:41**
